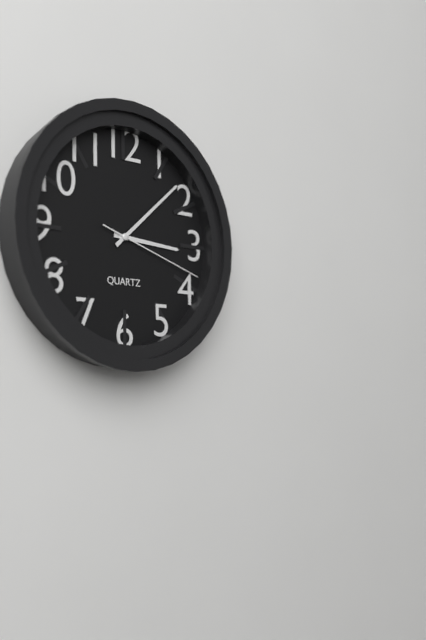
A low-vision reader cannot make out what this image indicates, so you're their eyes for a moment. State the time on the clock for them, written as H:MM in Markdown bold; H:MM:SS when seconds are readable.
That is **3:08:18**
